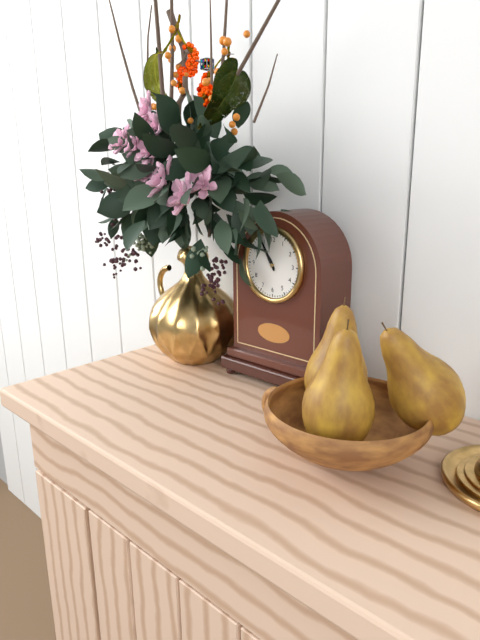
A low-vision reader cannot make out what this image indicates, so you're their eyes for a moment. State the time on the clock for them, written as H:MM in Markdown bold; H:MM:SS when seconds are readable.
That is **10:55**
